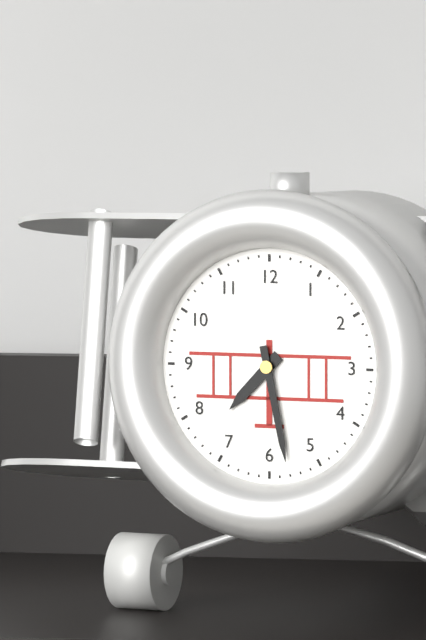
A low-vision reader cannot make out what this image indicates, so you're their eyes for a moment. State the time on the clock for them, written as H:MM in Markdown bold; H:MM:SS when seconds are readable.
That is **7:28**
